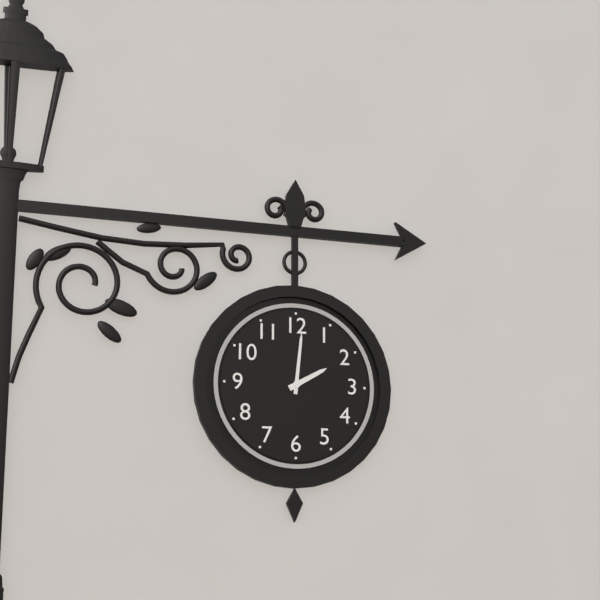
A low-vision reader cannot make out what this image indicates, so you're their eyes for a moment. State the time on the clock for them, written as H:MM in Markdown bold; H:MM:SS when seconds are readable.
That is **2:01**
